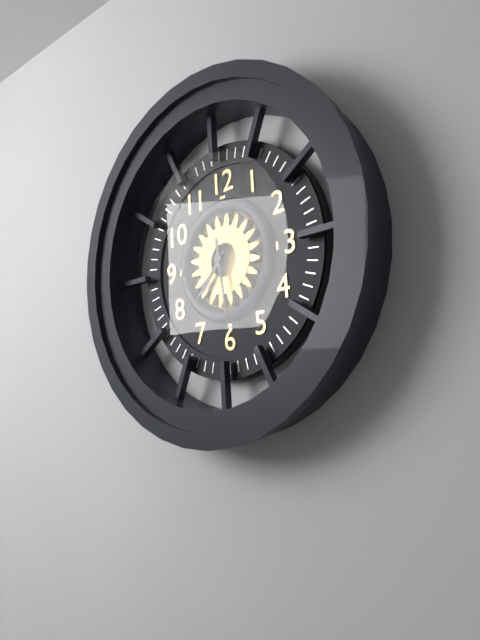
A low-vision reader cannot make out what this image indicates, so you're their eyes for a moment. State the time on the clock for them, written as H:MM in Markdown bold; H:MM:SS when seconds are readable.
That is **7:29**
